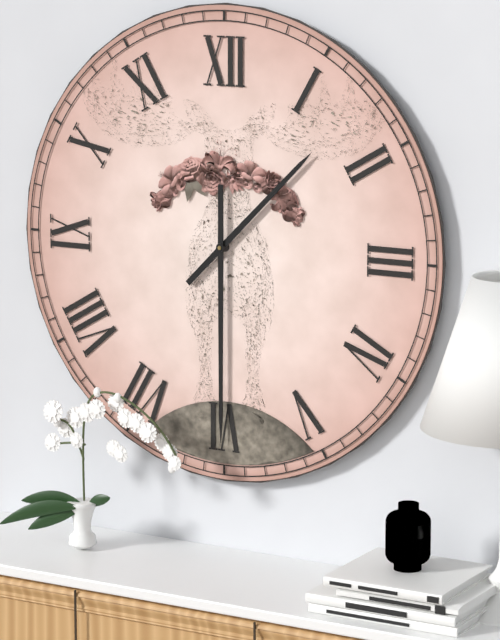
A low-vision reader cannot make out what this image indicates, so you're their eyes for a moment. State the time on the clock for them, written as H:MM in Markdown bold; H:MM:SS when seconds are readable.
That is **1:30**
